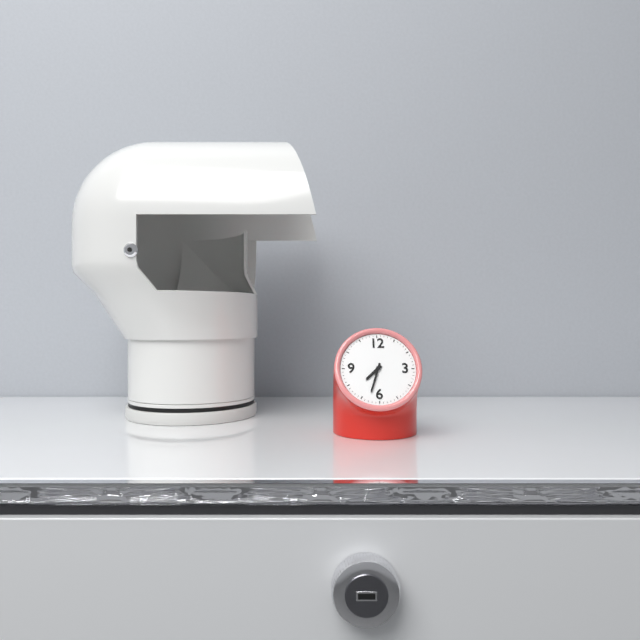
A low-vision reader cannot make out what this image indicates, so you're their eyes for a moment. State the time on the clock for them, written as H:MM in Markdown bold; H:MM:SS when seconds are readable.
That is **7:33**
